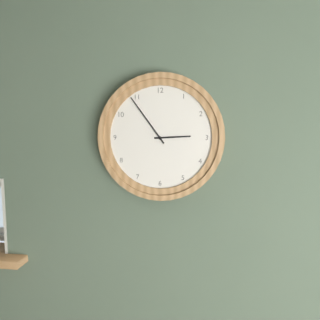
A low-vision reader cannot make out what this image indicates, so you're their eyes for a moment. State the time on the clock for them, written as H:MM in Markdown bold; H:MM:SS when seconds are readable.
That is **2:54**
